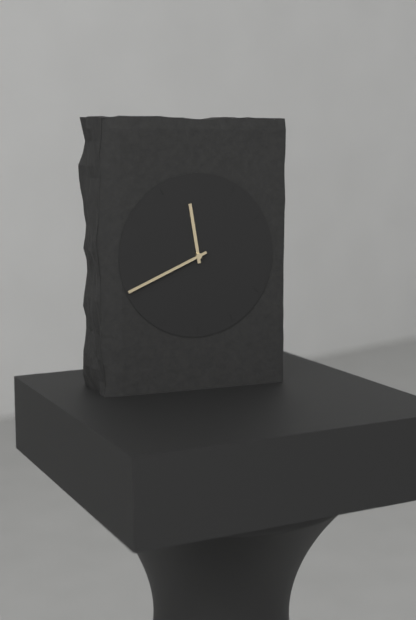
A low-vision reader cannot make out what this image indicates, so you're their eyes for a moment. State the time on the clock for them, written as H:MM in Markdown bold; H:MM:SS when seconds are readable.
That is **11:41**
